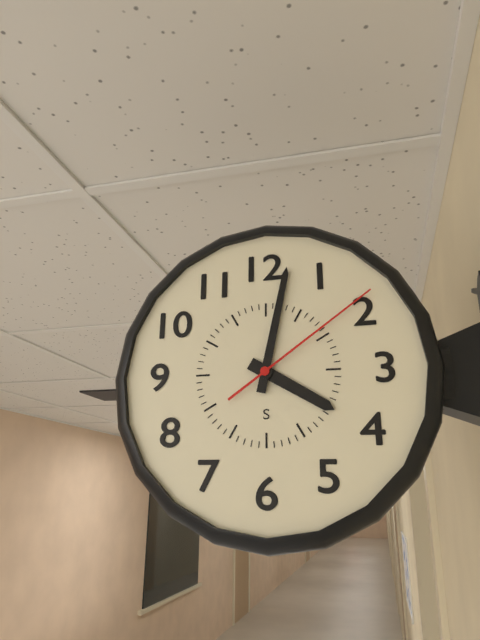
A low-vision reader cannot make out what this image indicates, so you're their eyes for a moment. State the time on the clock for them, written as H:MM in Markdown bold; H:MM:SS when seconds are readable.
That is **4:02:09**
